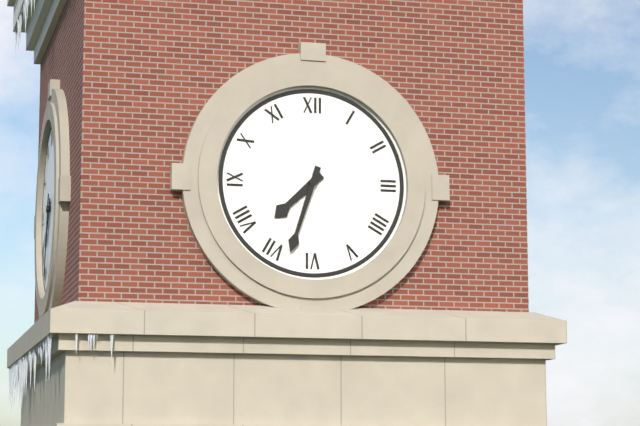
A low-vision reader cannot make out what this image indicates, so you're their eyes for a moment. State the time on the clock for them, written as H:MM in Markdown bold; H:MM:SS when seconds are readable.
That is **7:33**
